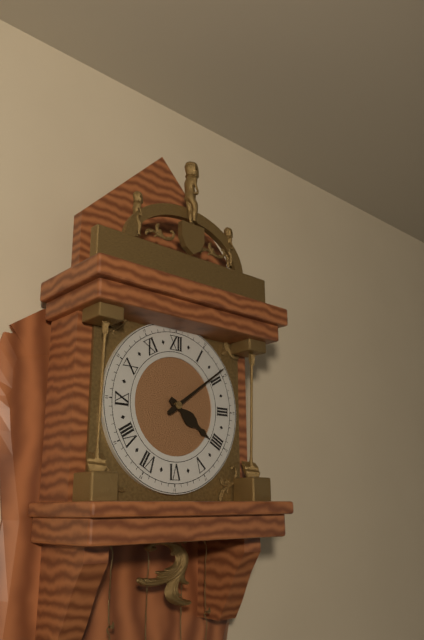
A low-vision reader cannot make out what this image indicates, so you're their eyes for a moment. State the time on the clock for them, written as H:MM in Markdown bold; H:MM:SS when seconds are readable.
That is **4:09**
